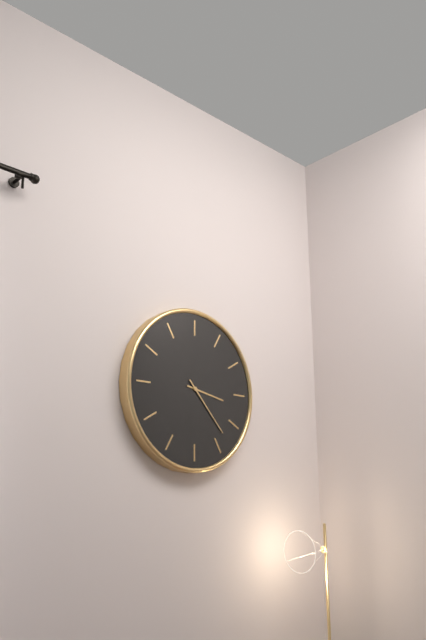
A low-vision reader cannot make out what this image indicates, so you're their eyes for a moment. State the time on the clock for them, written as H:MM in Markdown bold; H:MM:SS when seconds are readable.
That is **3:23**
